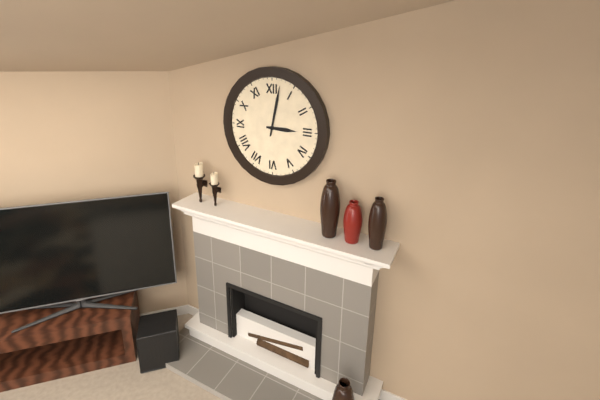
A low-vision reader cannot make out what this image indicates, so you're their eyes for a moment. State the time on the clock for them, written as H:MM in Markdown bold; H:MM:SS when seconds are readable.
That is **3:02**
